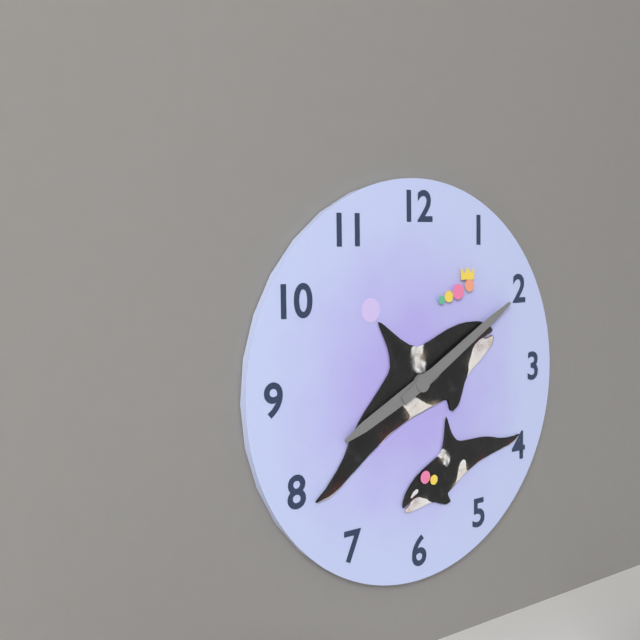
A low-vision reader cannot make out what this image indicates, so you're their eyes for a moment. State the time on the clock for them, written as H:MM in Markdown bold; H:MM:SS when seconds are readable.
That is **8:10**
